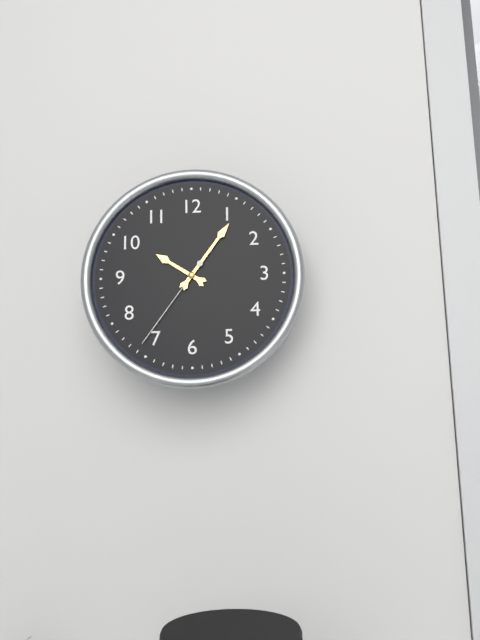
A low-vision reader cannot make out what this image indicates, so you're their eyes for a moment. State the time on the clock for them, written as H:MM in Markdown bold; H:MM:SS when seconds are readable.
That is **10:06:36**
